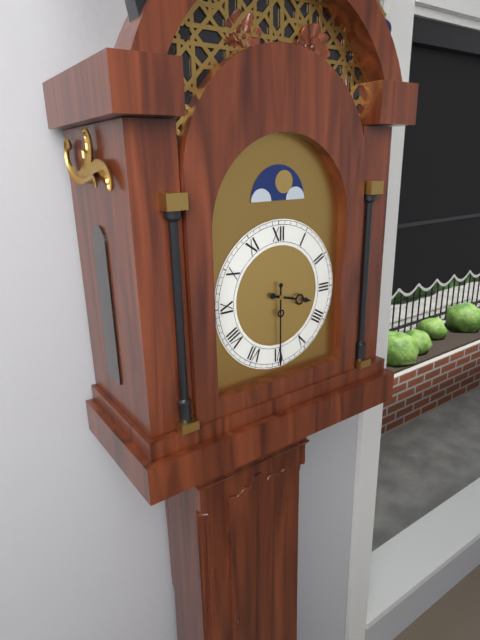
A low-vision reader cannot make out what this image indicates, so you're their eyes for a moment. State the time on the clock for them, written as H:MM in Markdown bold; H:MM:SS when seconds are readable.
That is **3:30**
